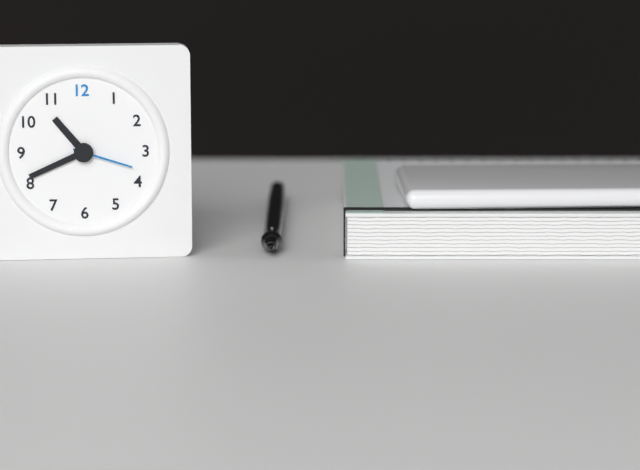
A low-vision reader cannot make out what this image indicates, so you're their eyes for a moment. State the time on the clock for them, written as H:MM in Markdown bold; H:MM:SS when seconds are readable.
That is **10:41:18**
